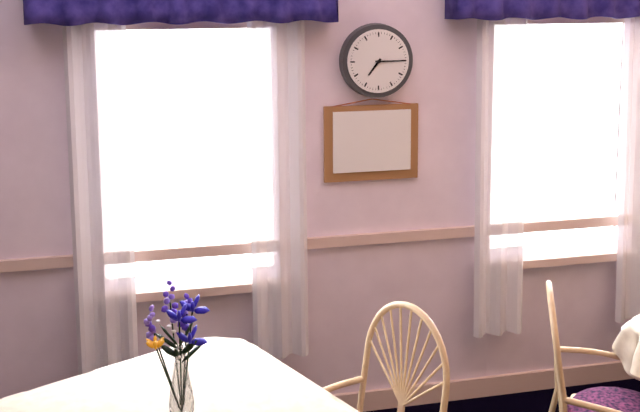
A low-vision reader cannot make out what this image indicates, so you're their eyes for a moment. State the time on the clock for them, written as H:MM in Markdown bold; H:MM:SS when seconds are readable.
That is **7:15**
